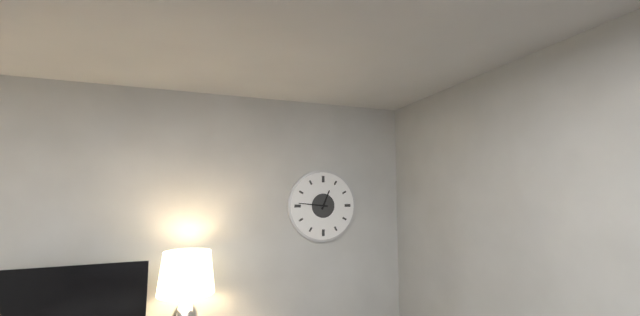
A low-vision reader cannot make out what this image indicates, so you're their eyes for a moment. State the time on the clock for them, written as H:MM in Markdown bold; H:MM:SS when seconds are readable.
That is **12:46**
